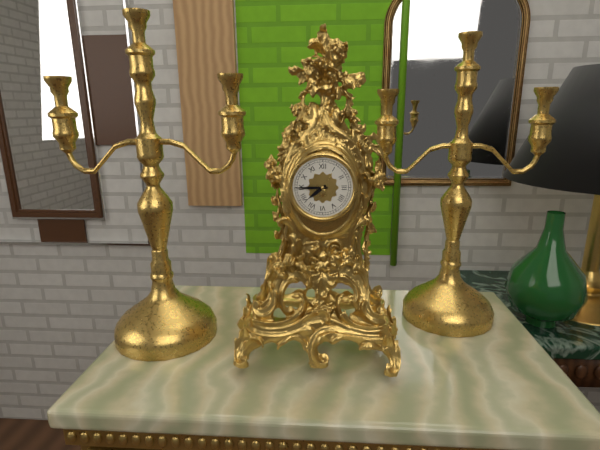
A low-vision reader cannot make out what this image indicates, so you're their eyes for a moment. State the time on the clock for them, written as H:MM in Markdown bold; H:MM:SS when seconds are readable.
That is **7:45**
